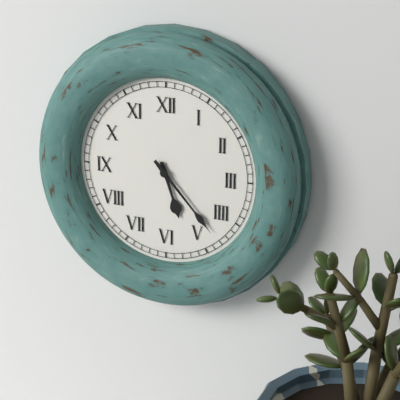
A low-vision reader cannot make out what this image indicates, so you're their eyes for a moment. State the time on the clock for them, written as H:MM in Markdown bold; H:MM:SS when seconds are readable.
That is **5:23**
